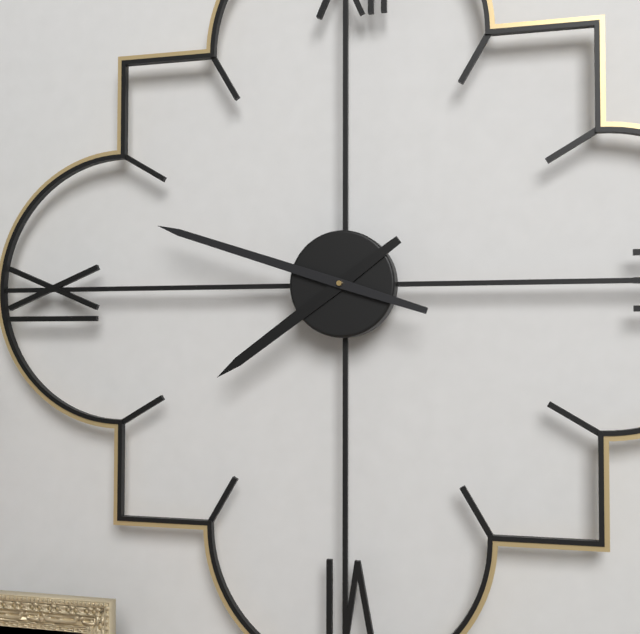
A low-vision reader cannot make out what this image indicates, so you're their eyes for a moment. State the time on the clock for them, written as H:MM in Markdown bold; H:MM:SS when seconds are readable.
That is **7:48**
